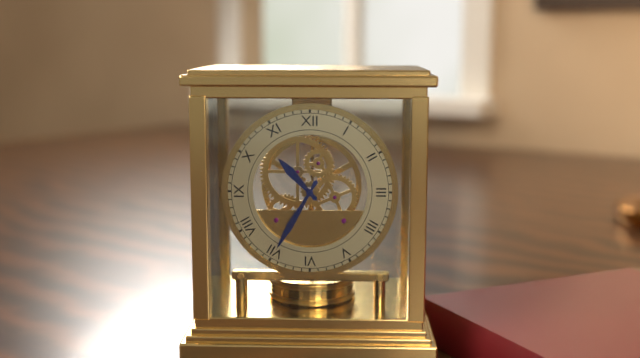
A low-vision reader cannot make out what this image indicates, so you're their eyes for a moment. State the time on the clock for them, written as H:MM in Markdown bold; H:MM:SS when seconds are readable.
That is **10:35**
